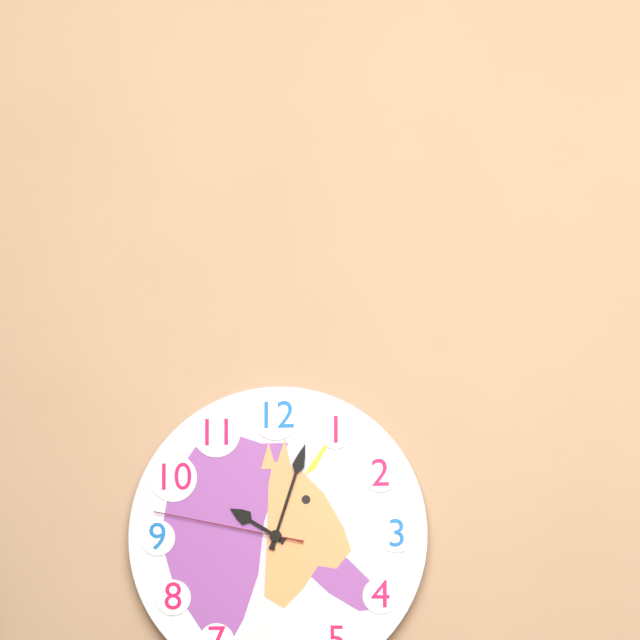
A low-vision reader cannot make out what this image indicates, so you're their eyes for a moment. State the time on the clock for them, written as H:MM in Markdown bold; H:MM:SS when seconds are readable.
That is **10:03:47**
